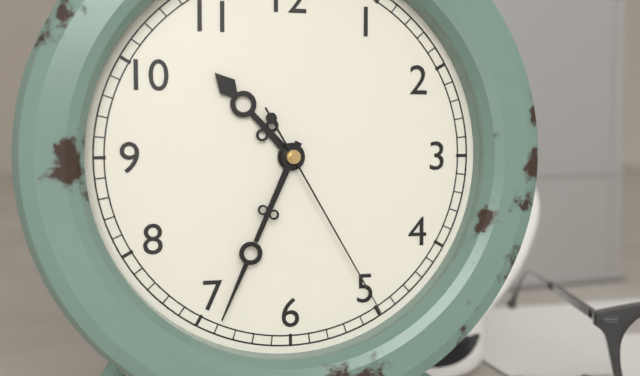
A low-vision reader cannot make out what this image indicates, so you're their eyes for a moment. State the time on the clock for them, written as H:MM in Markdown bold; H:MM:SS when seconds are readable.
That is **10:34:25**
